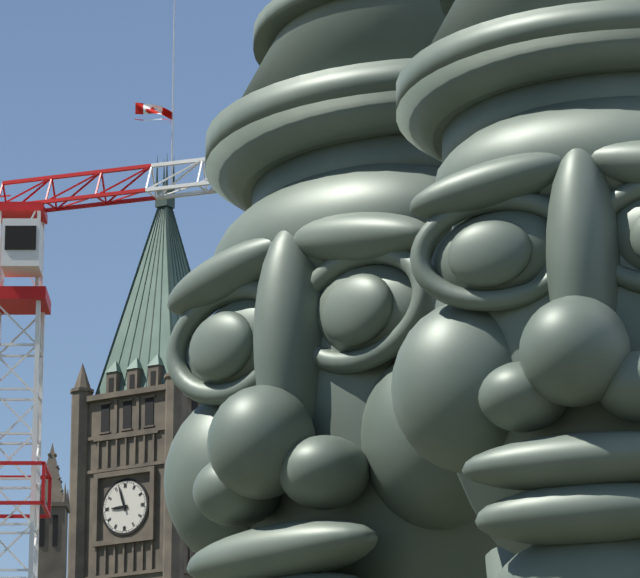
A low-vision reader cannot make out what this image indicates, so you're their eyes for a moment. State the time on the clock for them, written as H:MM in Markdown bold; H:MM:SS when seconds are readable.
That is **8:57**
